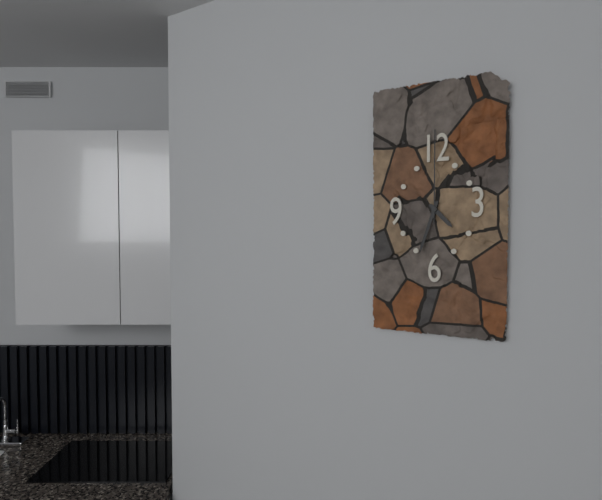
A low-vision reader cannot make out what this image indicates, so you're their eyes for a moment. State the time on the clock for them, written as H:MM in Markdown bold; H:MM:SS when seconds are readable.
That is **4:33:00**
